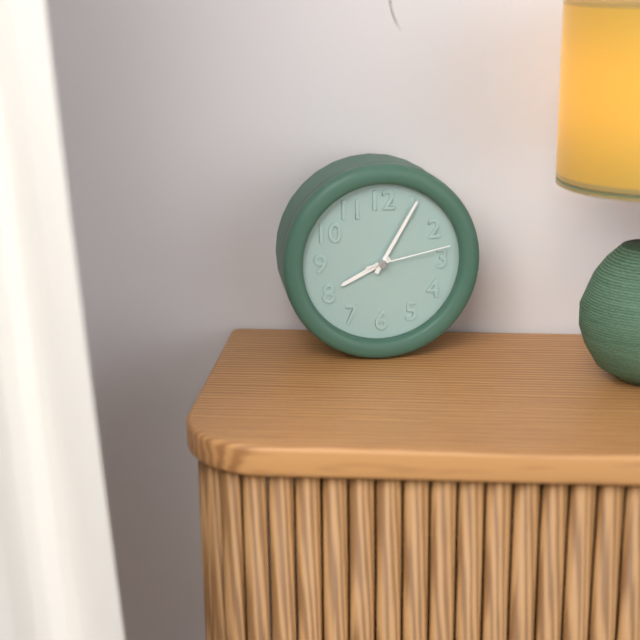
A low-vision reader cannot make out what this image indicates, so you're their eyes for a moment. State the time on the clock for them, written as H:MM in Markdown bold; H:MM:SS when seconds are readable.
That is **8:05:13**
